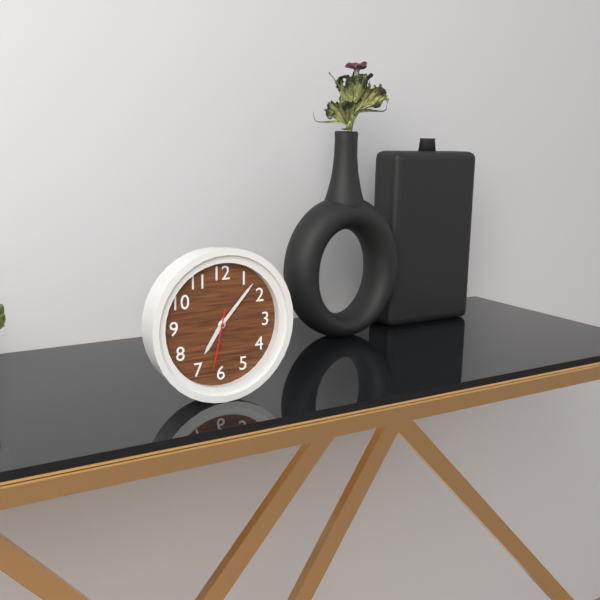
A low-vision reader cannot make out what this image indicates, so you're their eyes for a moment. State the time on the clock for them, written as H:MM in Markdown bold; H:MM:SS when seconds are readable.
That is **7:07:32**
